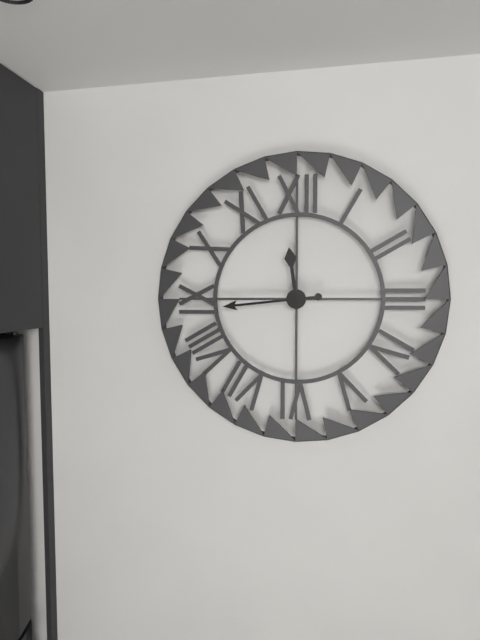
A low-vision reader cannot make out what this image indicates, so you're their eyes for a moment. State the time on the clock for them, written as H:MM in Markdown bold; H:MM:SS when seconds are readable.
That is **11:44**
